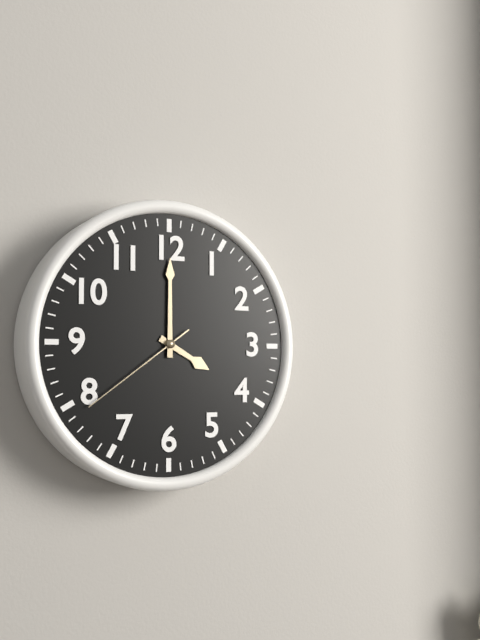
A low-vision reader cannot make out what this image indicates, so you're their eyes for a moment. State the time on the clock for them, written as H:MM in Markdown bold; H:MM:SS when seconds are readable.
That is **4:00:39**
